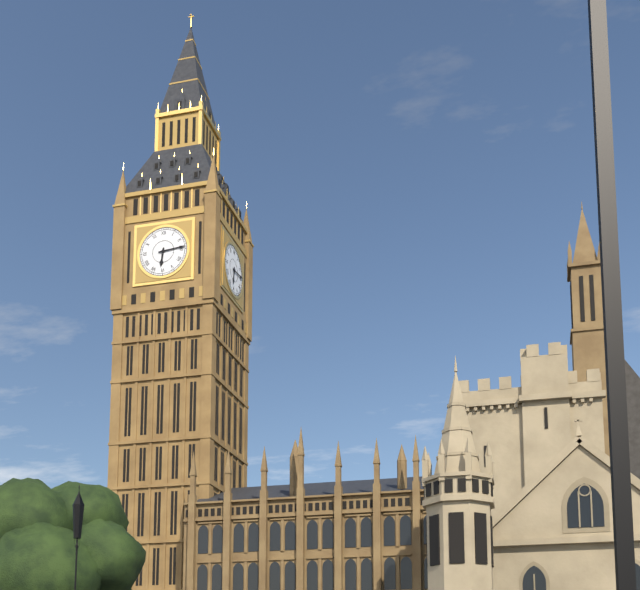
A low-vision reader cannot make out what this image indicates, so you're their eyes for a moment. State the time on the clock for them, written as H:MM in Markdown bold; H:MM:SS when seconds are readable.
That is **6:14**
